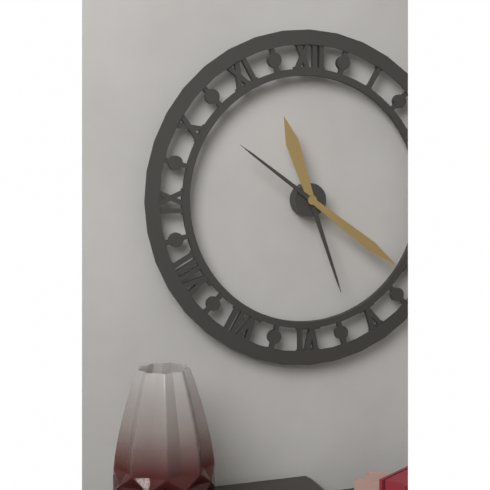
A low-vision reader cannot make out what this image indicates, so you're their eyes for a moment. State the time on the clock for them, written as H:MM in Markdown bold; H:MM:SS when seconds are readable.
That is **11:21**
